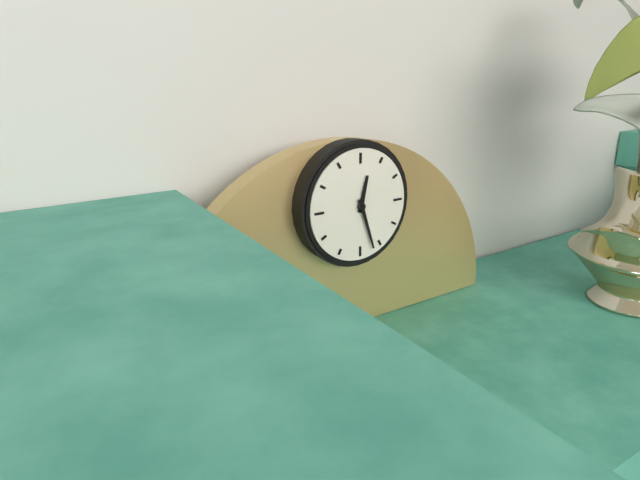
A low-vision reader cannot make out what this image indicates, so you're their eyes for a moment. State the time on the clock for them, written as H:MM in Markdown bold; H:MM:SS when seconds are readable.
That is **12:27**
